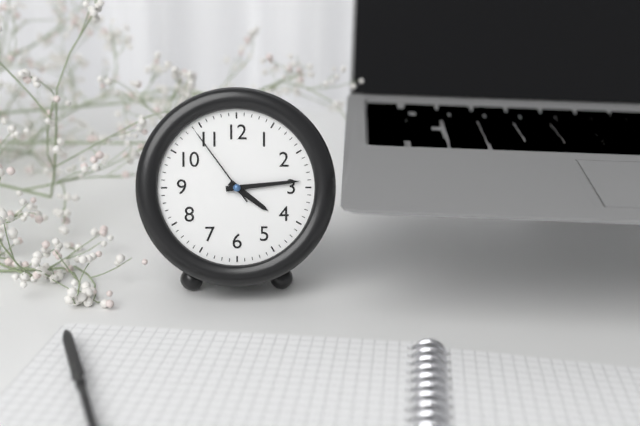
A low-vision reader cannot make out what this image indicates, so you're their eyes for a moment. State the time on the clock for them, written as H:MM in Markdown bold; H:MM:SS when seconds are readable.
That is **4:14:54**
